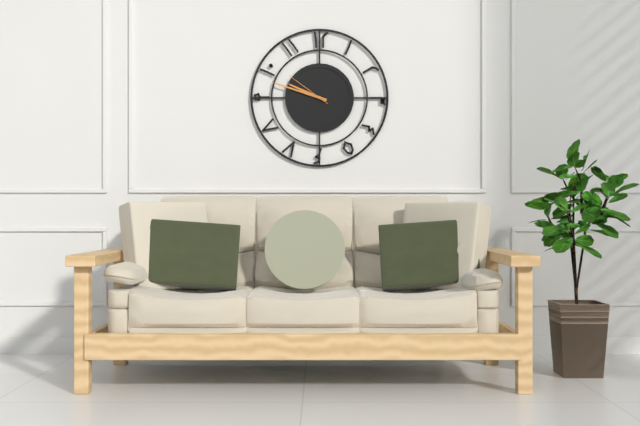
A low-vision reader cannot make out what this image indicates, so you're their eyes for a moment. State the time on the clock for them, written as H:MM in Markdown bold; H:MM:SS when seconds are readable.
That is **9:48**
